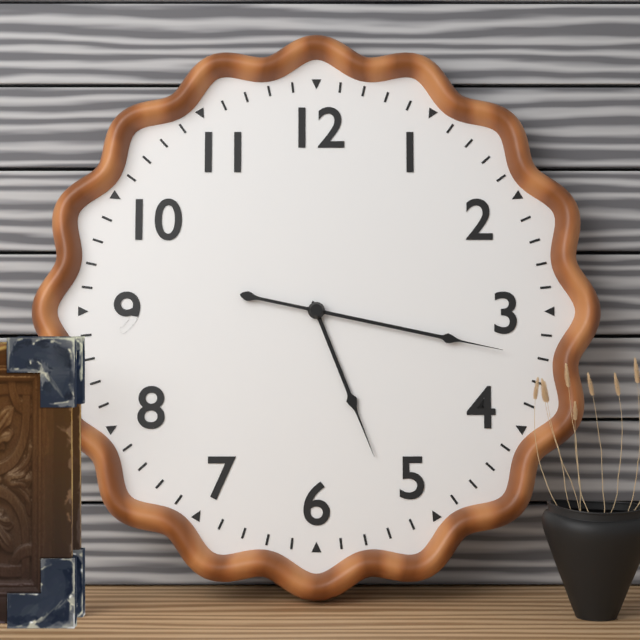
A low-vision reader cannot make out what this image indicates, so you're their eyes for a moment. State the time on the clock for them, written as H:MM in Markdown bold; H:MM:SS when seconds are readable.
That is **5:17**
